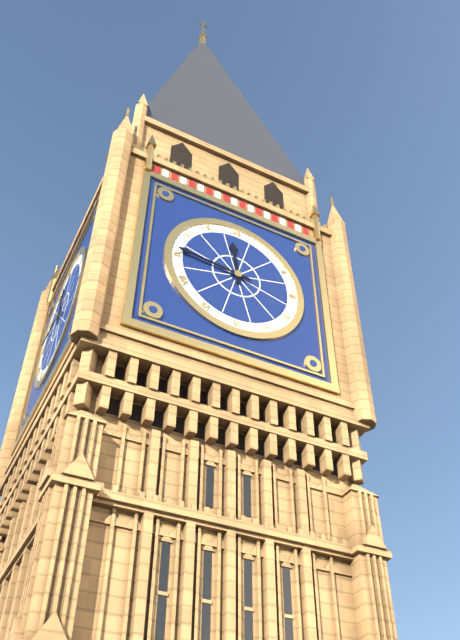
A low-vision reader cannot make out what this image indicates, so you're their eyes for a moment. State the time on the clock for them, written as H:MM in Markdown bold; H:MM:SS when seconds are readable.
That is **11:46**
